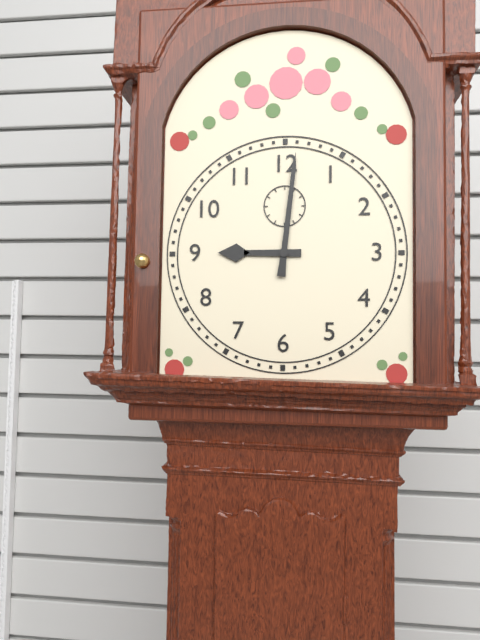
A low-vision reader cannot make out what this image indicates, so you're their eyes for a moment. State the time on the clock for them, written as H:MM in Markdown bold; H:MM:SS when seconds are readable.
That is **9:01**
